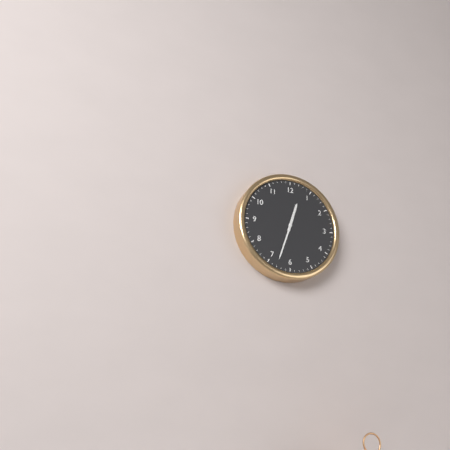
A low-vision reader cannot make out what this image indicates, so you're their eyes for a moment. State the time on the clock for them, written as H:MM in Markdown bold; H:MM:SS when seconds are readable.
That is **12:33**
